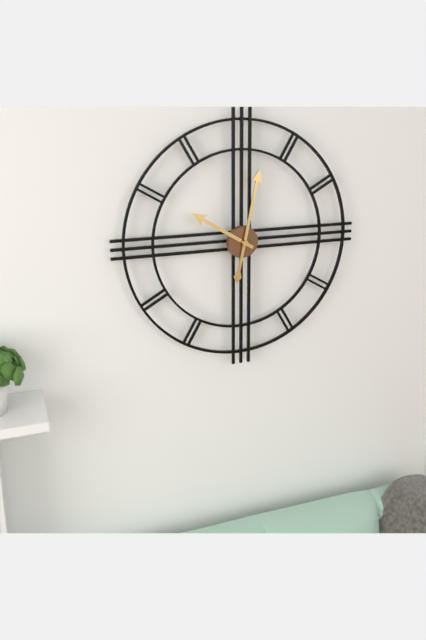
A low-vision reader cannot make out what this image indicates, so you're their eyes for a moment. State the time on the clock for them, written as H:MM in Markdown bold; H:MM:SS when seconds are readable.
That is **10:02**
